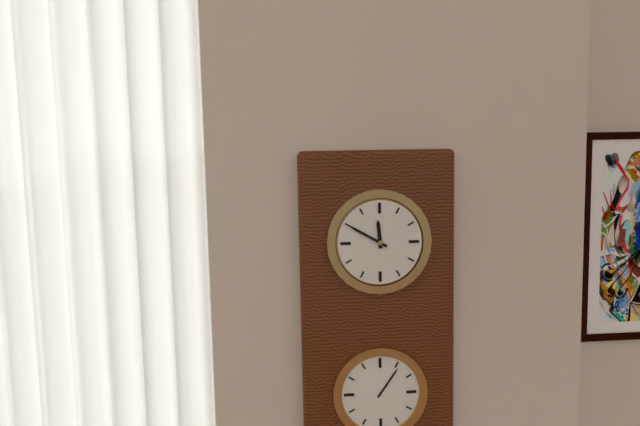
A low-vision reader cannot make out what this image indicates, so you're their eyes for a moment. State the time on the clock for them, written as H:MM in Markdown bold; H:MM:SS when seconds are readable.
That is **11:50**
